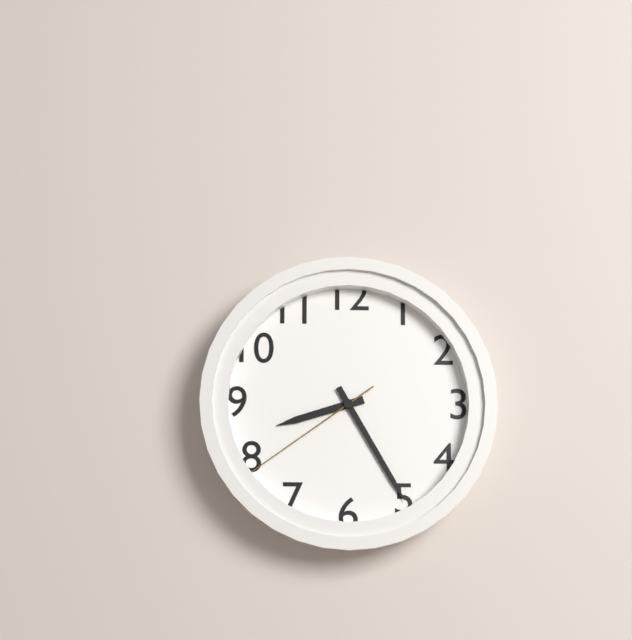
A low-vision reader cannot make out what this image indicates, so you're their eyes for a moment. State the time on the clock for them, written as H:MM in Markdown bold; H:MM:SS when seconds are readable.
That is **8:25:39**
